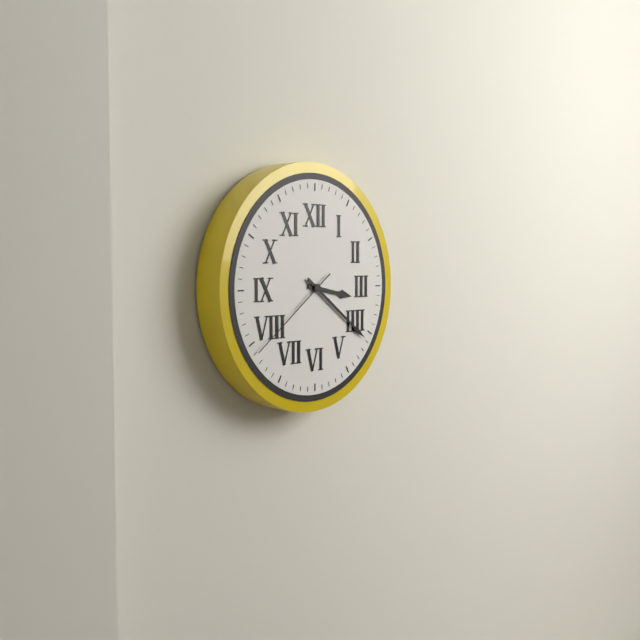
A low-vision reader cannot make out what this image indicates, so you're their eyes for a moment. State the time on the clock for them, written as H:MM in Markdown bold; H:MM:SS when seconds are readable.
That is **3:21:39**
